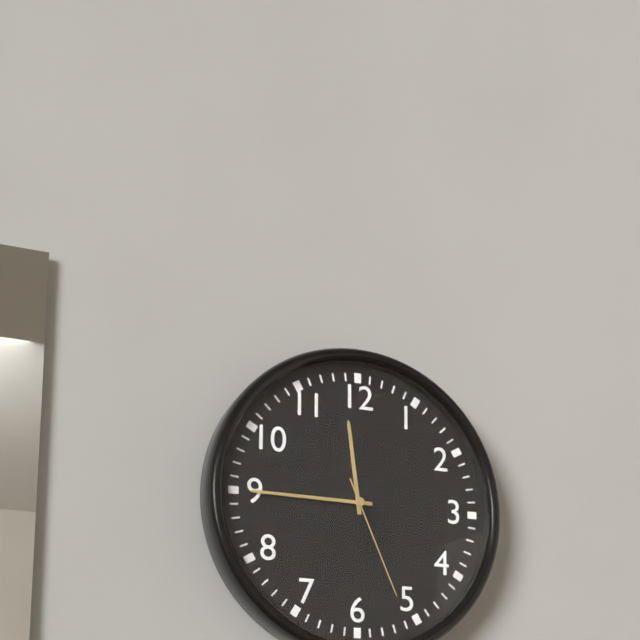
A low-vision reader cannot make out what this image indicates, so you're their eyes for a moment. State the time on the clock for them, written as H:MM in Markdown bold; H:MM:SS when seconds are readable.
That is **11:45:26**
